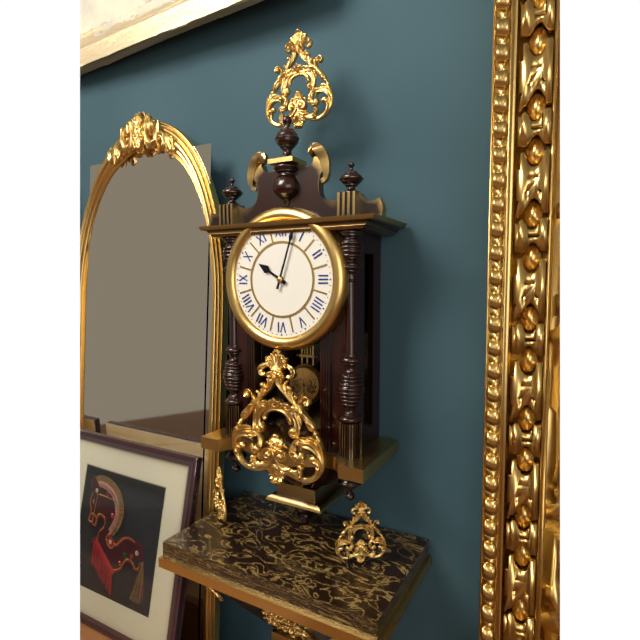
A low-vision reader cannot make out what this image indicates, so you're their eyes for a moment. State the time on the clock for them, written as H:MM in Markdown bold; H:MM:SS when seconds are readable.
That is **10:03**
